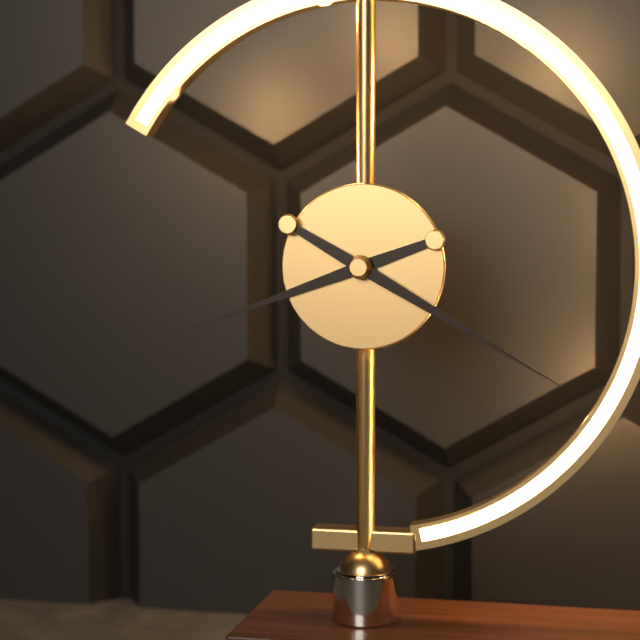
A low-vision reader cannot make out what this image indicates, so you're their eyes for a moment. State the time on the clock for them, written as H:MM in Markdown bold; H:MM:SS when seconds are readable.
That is **8:20**
